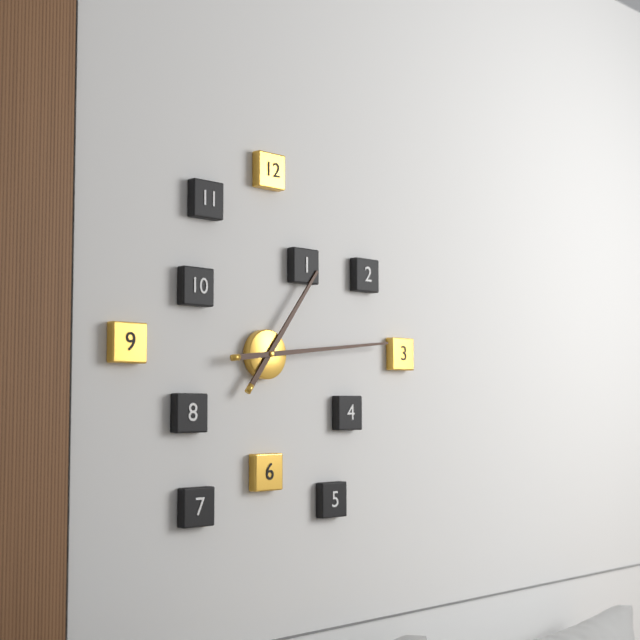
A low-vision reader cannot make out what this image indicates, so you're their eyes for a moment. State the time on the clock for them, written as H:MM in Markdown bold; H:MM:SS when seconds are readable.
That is **1:14**
